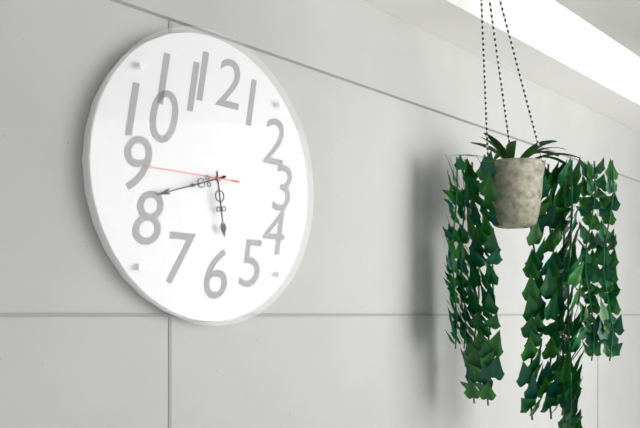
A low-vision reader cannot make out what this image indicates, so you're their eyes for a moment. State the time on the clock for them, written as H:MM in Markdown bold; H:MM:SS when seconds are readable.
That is **5:42:45**
